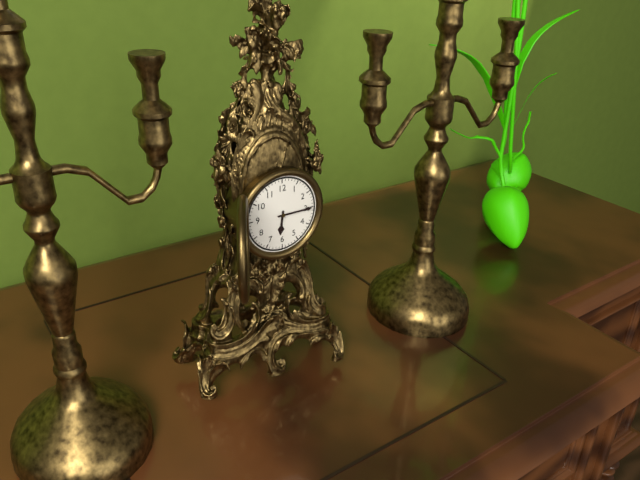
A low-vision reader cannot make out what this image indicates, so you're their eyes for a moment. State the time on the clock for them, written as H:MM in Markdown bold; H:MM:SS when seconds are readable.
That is **6:15**
